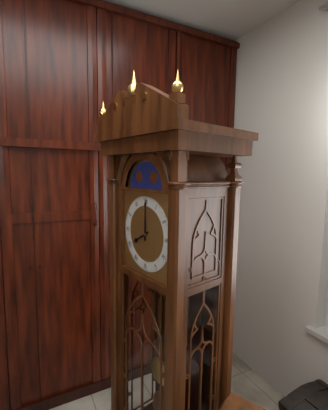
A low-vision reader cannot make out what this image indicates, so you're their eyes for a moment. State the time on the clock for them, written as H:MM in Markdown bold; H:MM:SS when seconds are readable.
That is **8:00**
